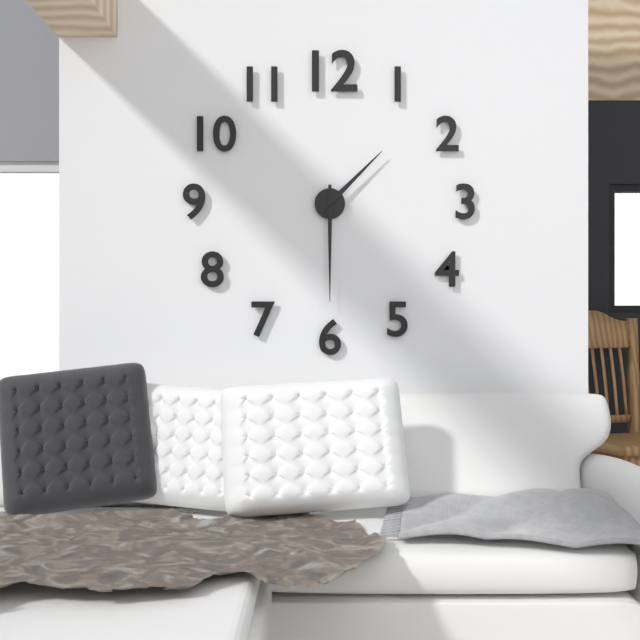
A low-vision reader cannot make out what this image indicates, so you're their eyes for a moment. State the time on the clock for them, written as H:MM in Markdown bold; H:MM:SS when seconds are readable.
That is **1:30**
